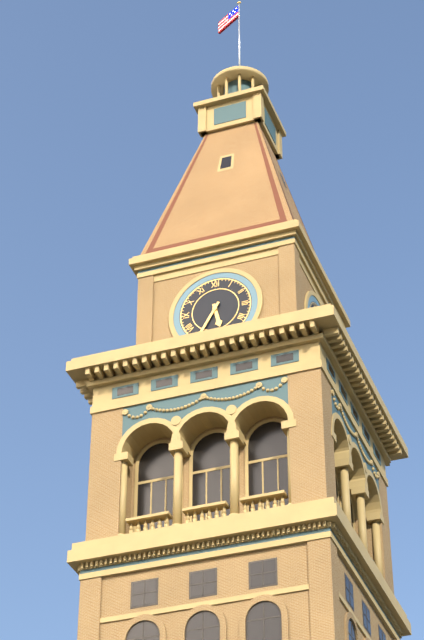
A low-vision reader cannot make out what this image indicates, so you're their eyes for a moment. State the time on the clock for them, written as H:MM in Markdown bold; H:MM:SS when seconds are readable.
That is **5:35**
